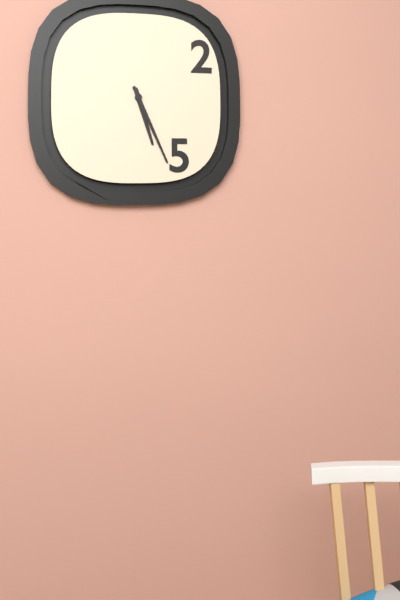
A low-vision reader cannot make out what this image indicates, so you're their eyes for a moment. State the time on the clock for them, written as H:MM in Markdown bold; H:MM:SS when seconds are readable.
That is **5:26**
